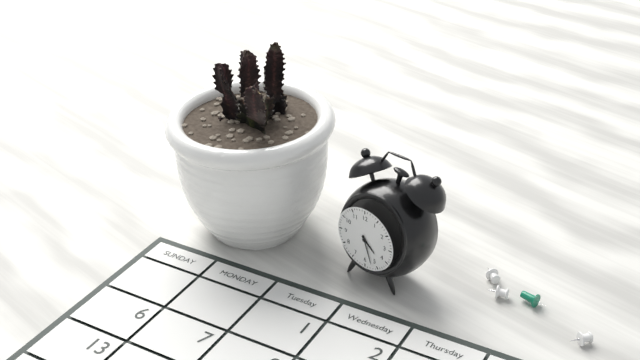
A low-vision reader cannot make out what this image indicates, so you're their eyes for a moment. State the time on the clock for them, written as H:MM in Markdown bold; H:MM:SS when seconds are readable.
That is **4:27**
